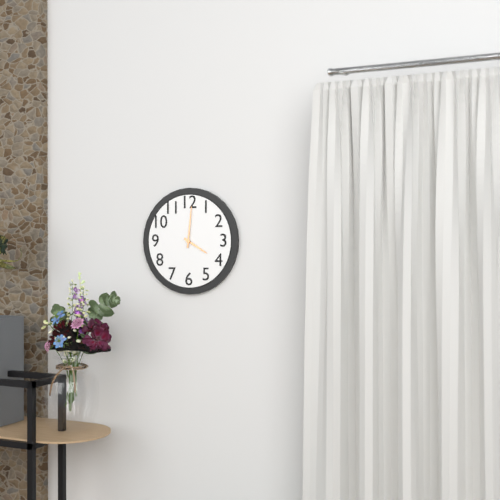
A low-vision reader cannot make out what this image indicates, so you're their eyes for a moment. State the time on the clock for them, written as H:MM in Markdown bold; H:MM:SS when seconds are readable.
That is **4:01**
